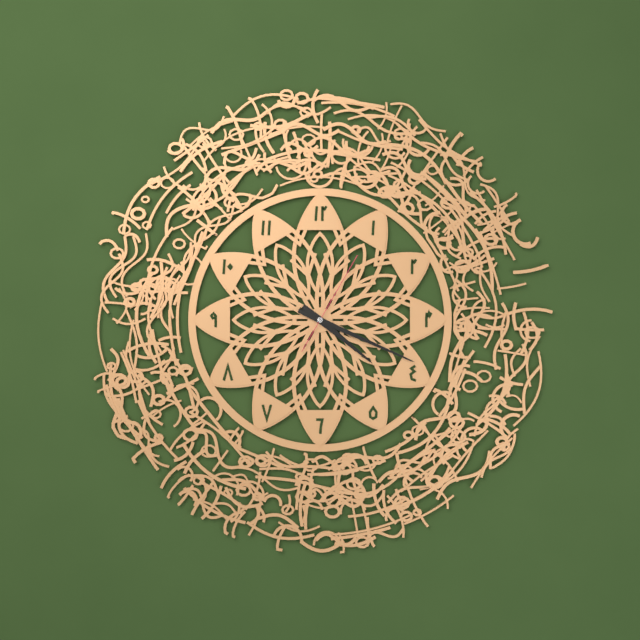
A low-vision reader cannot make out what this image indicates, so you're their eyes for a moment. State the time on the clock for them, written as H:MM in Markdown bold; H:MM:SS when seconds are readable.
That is **4:19:05**
